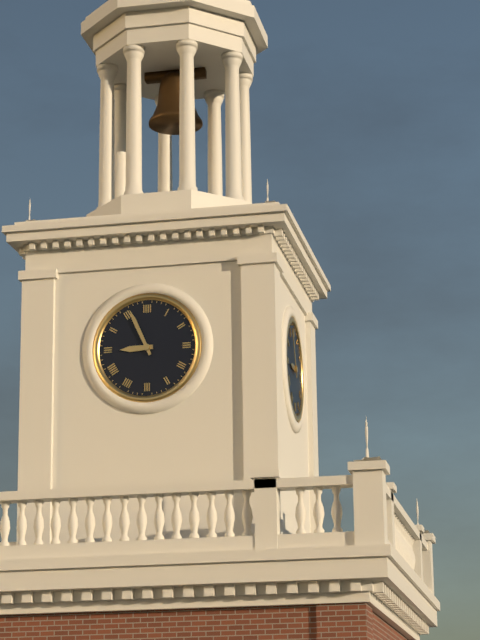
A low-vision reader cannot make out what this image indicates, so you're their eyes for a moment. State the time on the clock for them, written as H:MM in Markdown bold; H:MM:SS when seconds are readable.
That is **8:56**
